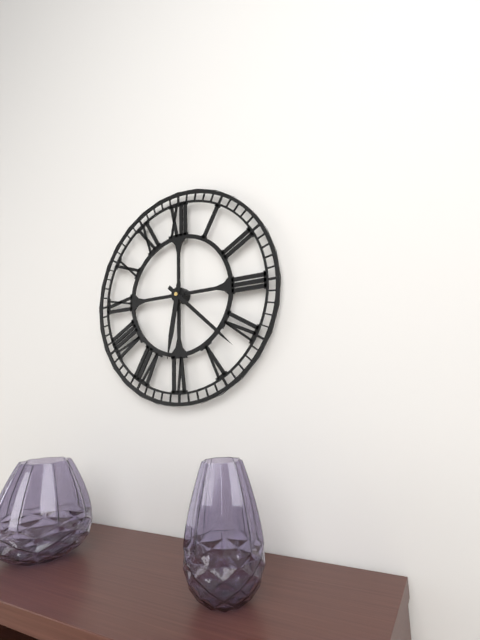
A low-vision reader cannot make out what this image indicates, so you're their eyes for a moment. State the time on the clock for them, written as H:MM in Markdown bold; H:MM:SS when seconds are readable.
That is **6:22**
